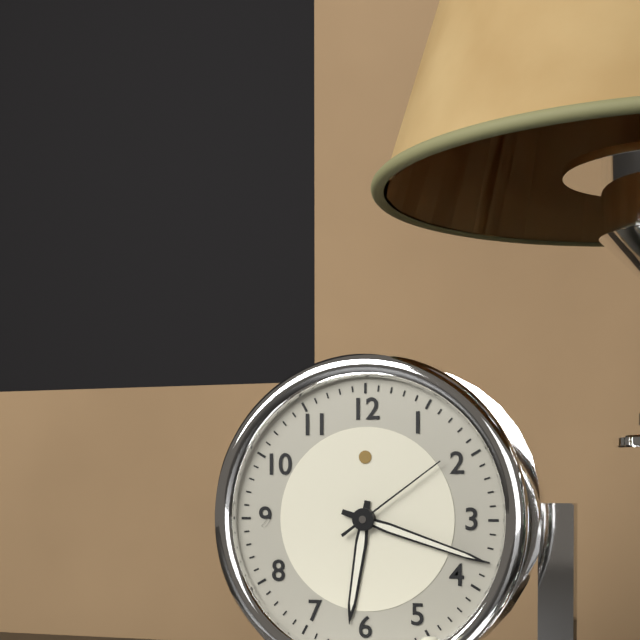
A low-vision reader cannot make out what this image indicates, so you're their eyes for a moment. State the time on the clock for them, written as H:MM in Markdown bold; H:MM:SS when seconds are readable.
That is **6:18:09**
